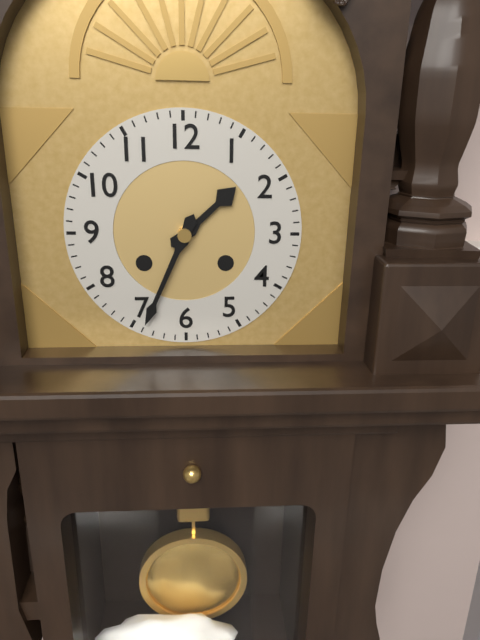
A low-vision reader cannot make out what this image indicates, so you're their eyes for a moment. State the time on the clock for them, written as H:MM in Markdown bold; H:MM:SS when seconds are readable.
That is **1:34**
